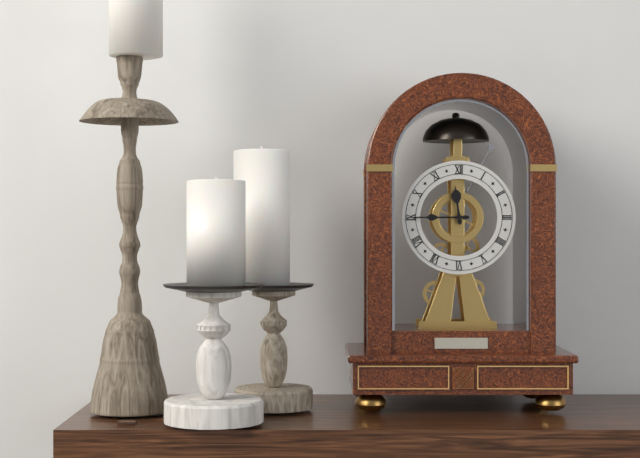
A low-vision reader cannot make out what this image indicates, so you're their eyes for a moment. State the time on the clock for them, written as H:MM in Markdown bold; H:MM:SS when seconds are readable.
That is **11:45**
